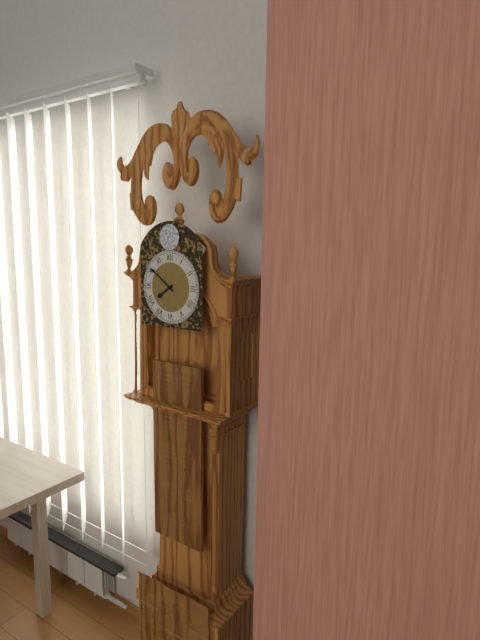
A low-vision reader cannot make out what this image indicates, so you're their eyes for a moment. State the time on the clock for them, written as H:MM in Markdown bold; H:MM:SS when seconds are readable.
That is **7:51**
